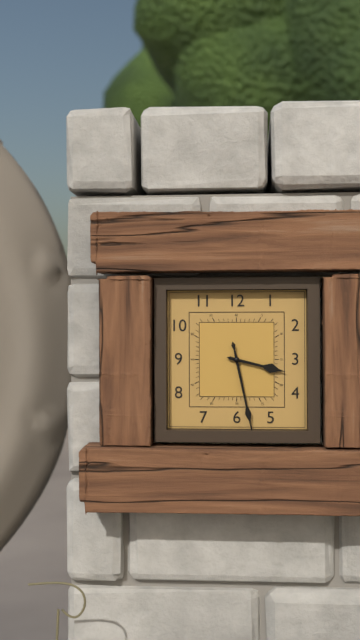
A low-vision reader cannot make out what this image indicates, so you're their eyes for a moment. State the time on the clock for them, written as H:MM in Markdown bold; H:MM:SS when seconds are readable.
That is **3:28**
